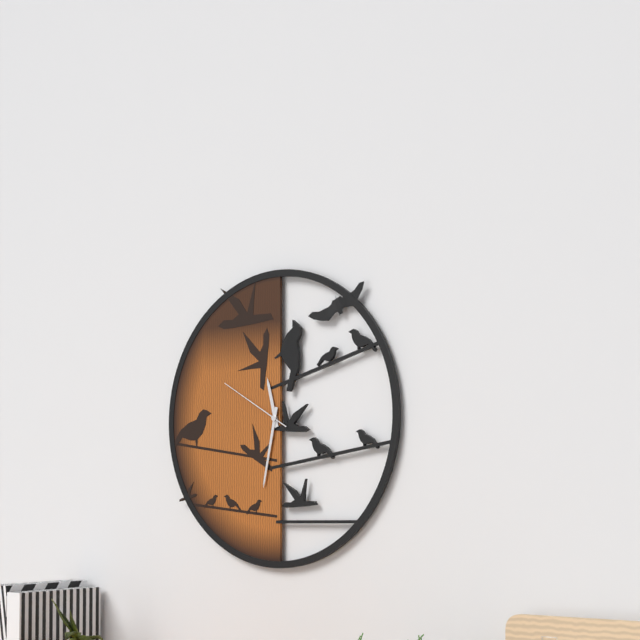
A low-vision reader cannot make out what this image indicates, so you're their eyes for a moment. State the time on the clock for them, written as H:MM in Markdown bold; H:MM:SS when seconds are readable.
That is **11:32:50**
